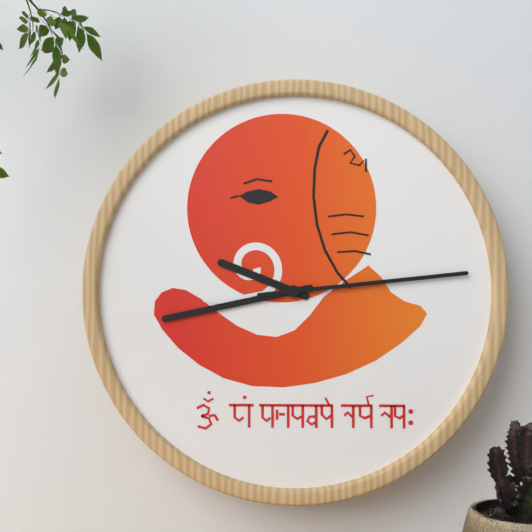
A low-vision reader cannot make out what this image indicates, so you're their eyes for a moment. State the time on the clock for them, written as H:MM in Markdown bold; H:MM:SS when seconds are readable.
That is **9:43:14**
